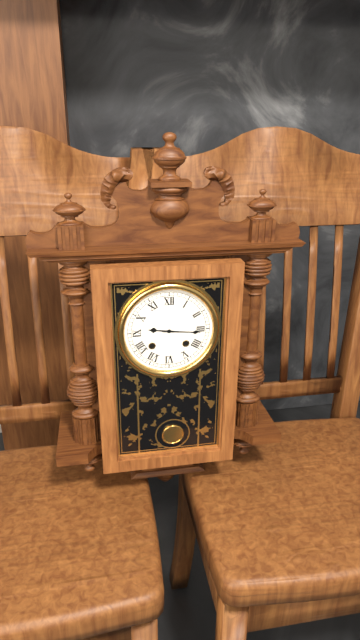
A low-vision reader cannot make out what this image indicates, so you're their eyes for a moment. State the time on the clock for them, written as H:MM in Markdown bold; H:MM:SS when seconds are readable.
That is **9:16**
